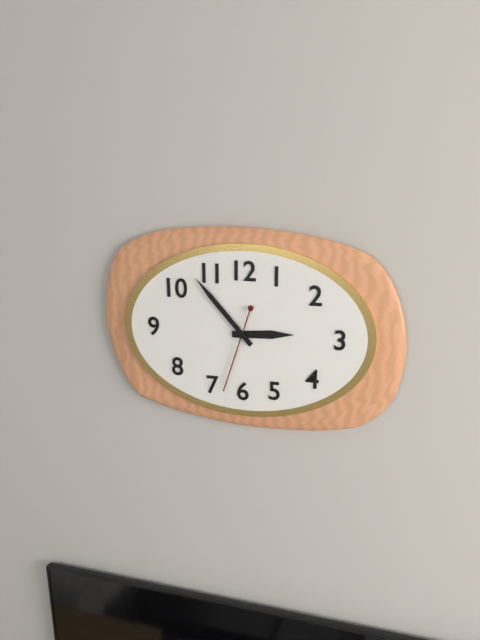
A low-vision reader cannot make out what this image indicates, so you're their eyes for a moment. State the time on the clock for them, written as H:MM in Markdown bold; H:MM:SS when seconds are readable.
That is **2:53:33**
